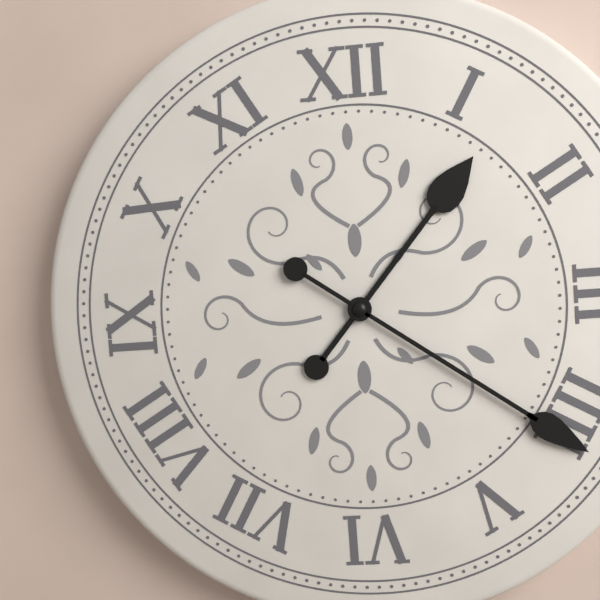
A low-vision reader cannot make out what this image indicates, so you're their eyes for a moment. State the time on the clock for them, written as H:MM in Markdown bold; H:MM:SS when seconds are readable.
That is **1:21**
